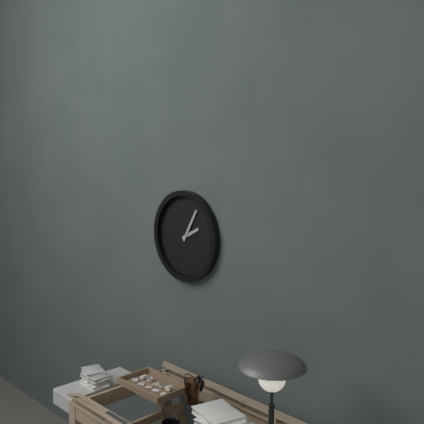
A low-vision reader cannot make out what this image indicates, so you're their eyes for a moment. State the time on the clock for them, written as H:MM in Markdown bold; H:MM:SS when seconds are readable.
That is **2:05**
